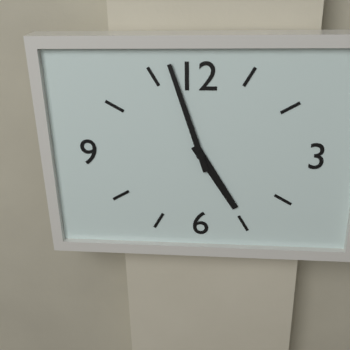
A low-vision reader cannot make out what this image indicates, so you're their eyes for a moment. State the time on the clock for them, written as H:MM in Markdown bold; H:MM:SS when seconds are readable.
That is **4:57**
